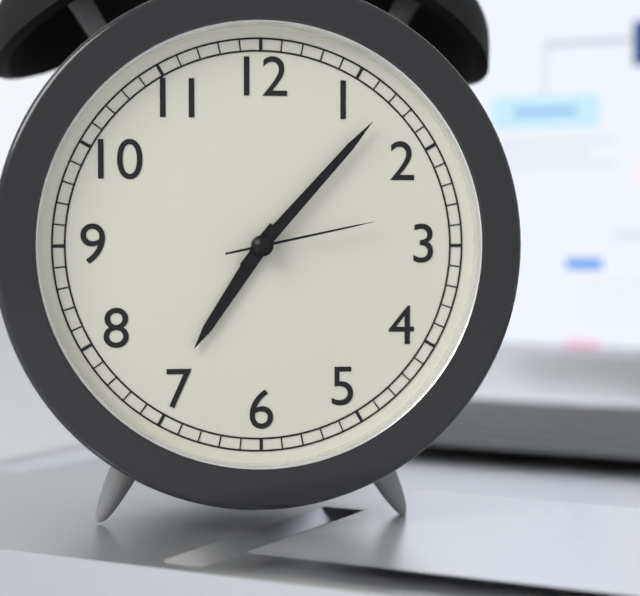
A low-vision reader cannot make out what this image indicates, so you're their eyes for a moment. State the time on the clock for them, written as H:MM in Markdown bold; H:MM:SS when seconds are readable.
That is **7:07:13**
